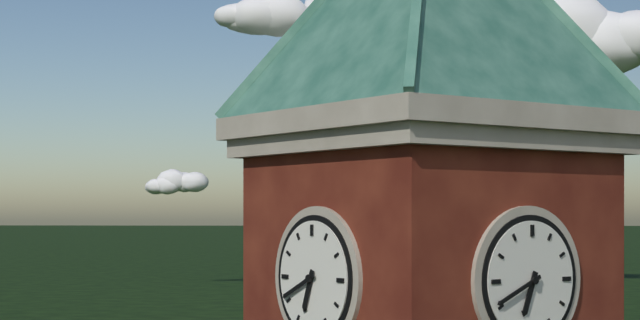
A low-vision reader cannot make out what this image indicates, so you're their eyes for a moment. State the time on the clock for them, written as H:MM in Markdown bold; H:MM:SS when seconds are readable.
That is **6:41**
